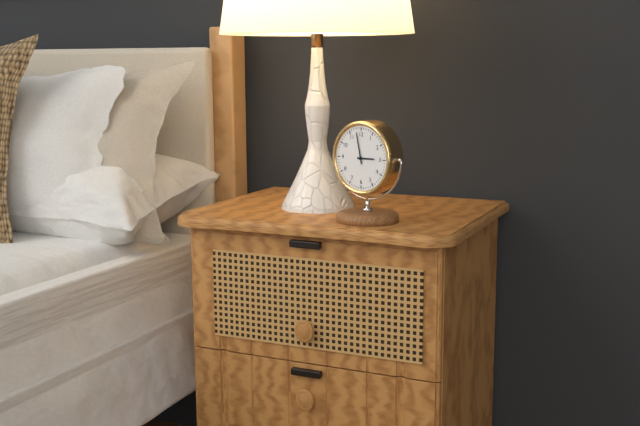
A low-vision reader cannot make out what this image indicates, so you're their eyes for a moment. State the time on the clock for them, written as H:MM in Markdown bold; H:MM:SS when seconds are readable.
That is **2:58**
